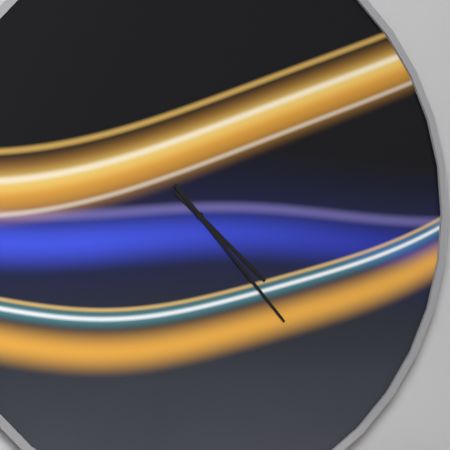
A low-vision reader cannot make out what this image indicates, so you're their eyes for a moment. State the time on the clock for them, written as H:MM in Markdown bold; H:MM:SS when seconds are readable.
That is **4:23**
